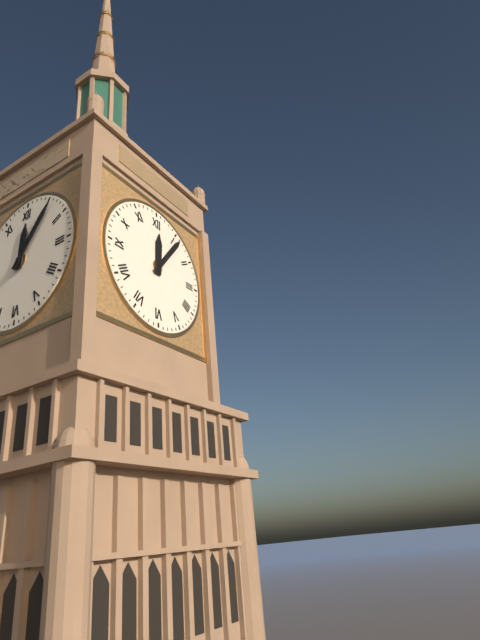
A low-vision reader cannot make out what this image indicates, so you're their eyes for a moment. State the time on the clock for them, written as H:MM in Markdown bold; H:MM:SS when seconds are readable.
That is **12:06**
